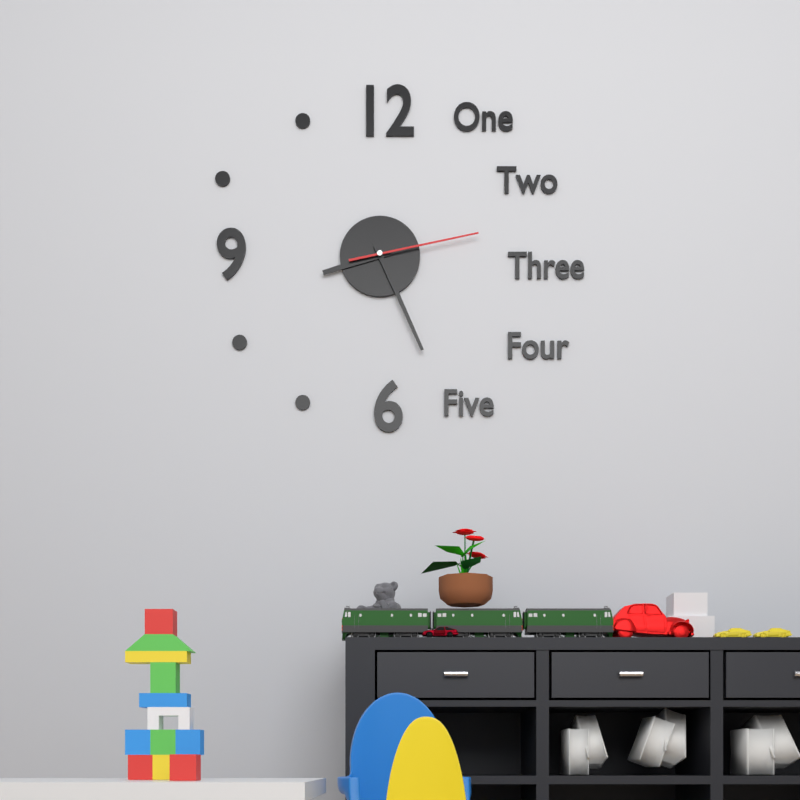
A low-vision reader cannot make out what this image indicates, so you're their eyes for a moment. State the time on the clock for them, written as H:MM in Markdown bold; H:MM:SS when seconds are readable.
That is **8:26:13**
